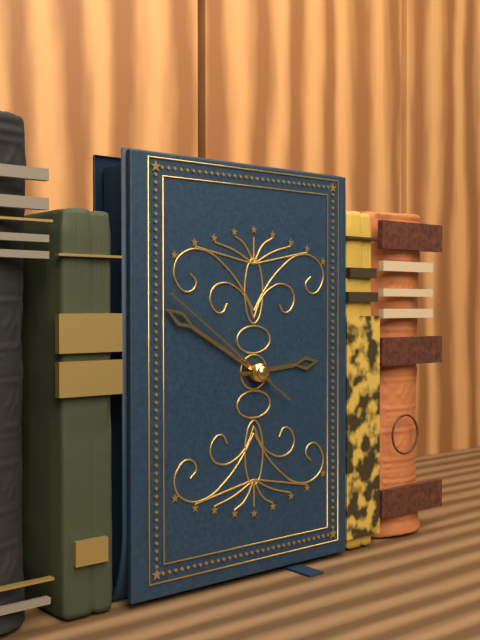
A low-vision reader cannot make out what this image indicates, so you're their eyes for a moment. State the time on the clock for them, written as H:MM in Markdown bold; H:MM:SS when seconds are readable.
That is **2:50:51**
